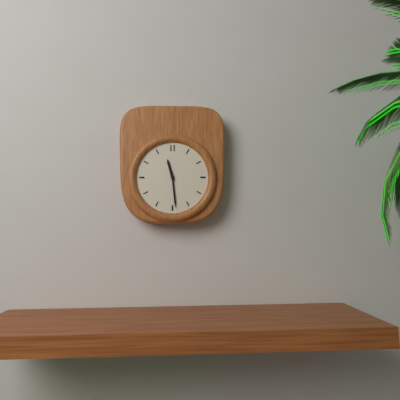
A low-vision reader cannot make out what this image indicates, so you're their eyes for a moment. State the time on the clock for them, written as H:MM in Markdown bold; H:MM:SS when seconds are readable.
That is **11:29**
